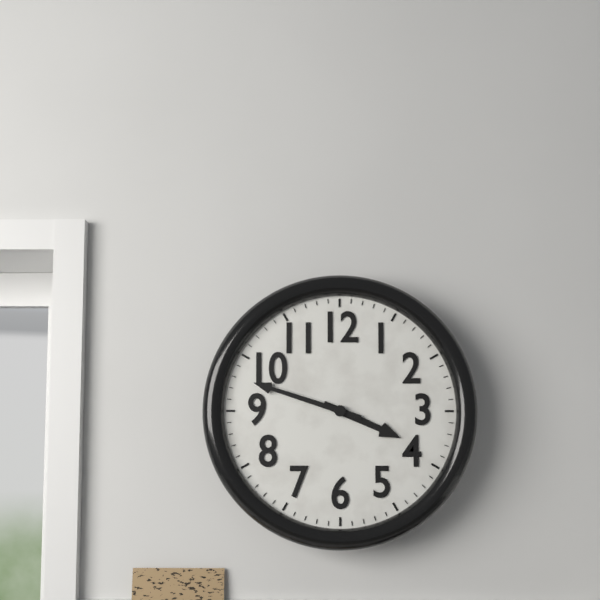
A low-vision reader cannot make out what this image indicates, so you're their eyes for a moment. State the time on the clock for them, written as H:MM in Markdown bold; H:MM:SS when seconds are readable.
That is **3:48**
